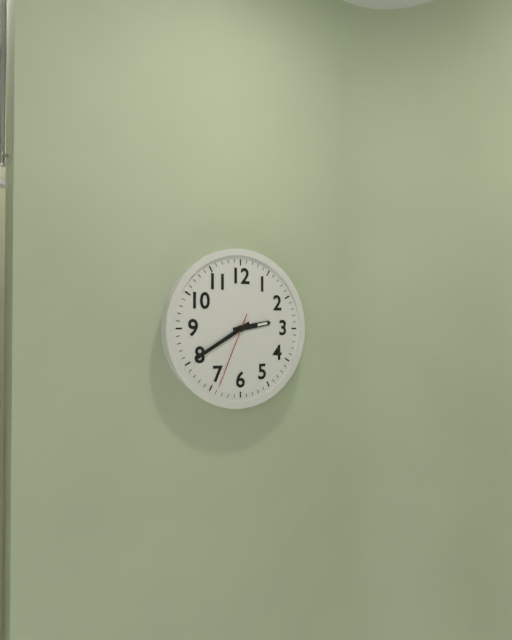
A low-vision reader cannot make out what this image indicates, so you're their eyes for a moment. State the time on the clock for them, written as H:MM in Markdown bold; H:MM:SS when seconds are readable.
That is **2:40:34**
